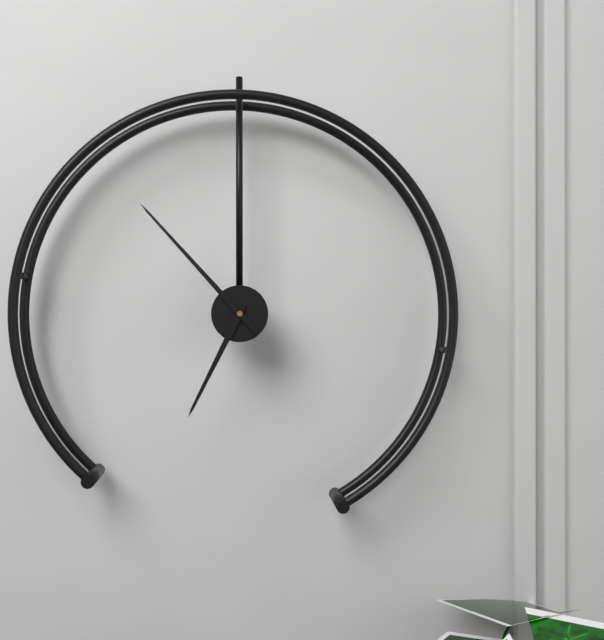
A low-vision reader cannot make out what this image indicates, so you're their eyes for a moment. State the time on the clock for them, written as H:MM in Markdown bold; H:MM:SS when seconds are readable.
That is **6:53**
